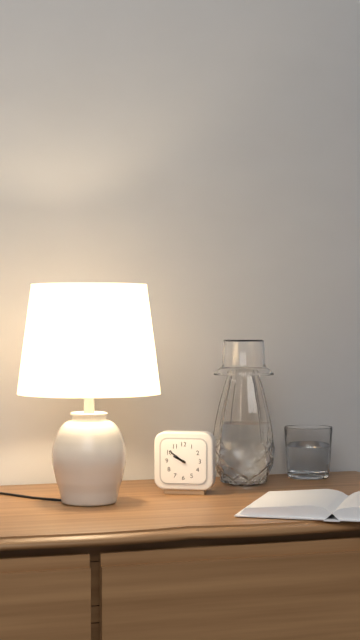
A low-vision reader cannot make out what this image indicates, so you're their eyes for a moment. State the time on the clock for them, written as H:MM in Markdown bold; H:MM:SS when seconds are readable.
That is **9:51**
